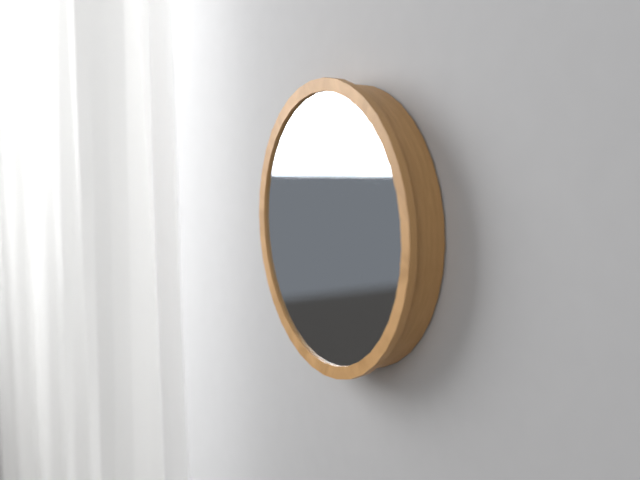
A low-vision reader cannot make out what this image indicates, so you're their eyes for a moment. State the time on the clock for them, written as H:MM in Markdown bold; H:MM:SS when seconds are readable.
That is **10:38**
